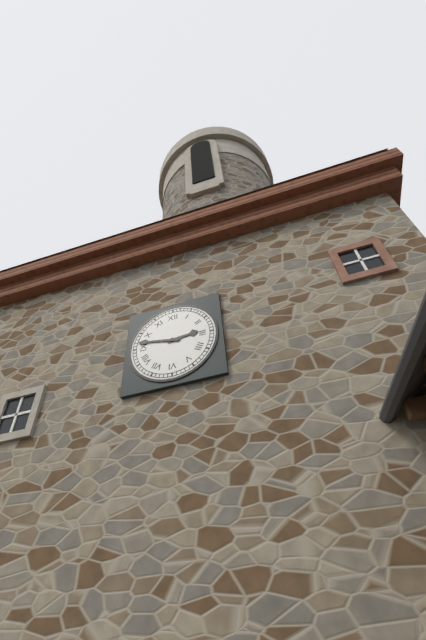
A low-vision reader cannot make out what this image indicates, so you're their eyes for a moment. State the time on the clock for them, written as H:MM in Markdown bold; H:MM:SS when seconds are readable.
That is **2:47**
